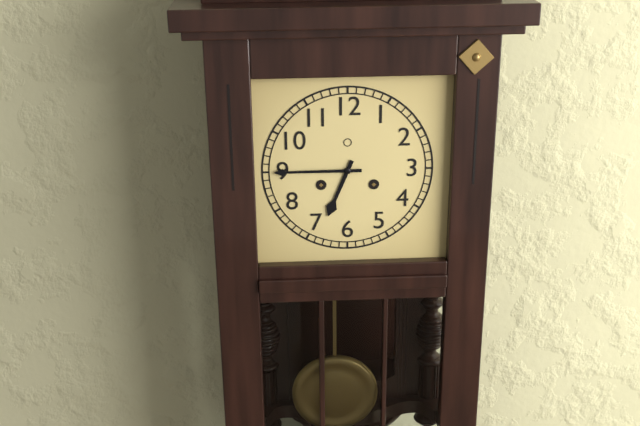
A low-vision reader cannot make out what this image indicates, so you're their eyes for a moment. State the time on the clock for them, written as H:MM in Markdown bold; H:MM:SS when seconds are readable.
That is **6:45**
